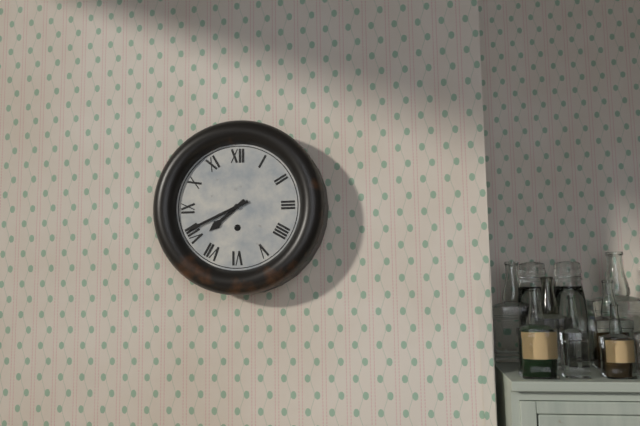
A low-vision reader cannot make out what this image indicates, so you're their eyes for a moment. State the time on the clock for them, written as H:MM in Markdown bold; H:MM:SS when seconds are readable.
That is **7:41**
